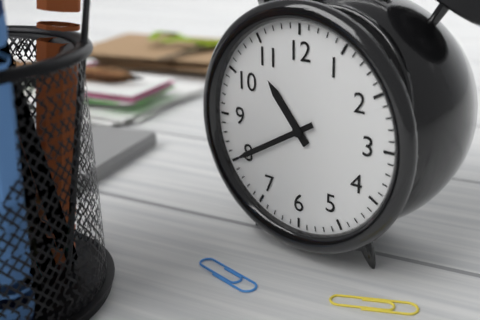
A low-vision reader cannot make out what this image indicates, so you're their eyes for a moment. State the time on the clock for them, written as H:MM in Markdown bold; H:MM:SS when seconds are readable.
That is **10:40**
